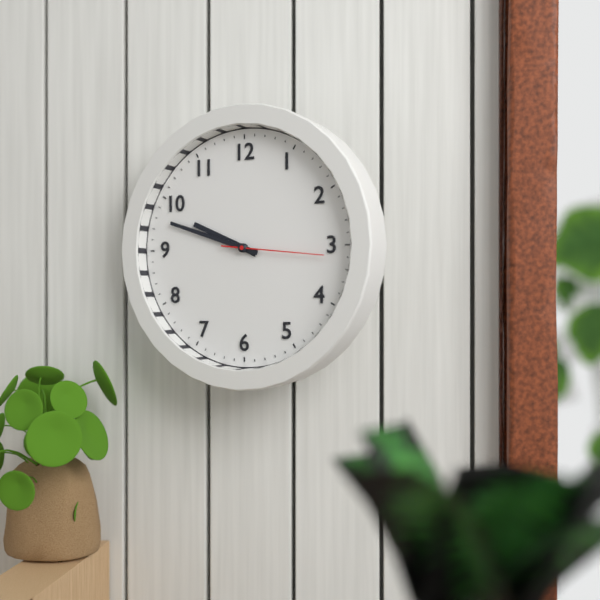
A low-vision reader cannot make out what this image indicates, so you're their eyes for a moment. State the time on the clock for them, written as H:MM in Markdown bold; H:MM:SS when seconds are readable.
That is **9:48:16**
